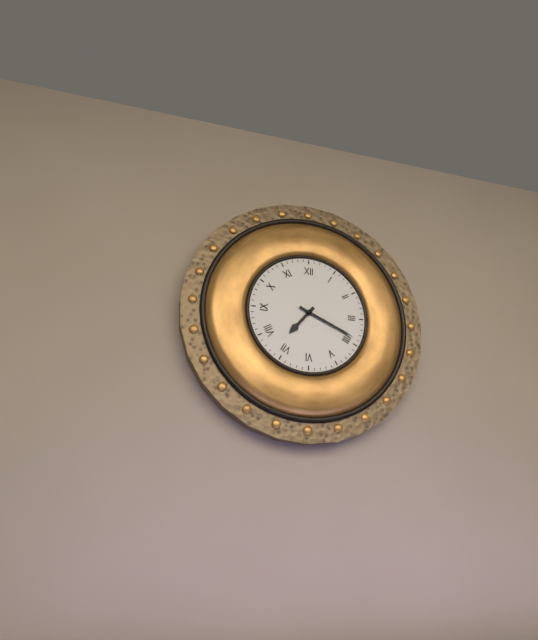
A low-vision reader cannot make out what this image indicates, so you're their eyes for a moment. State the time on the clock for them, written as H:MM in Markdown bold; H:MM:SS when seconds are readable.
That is **7:19**
